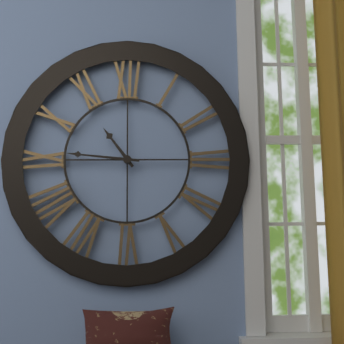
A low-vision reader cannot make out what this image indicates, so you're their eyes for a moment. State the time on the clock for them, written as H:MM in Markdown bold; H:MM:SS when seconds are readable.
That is **10:46**
